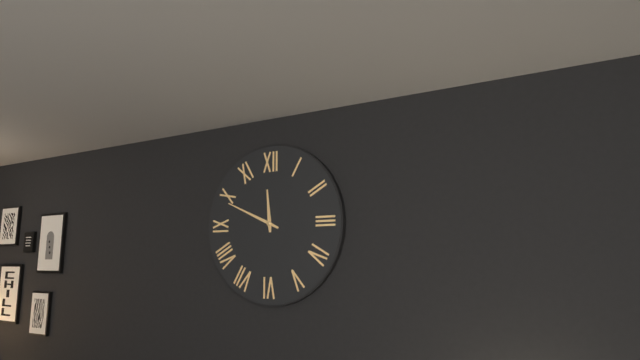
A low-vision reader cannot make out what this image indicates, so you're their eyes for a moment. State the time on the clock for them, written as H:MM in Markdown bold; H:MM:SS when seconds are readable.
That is **11:49**
